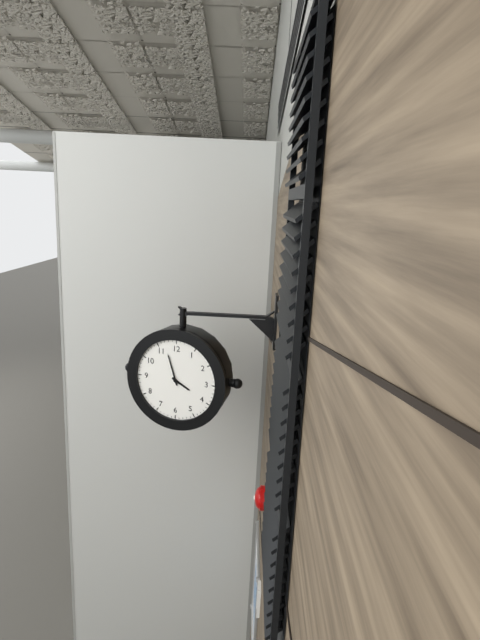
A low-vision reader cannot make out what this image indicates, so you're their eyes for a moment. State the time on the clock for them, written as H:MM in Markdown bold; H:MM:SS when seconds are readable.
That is **3:57**
